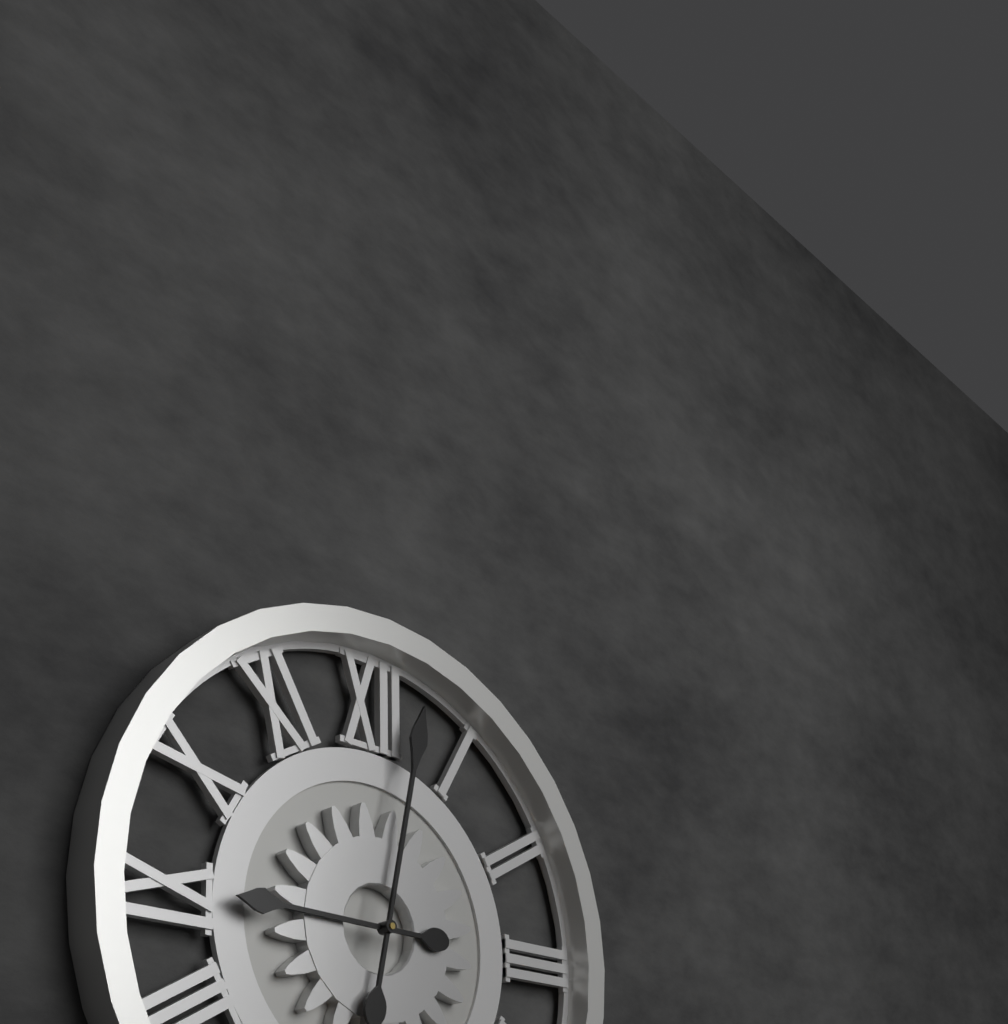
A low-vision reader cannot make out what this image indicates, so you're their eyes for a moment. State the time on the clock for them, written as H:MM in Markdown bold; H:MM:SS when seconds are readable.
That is **9:02**
